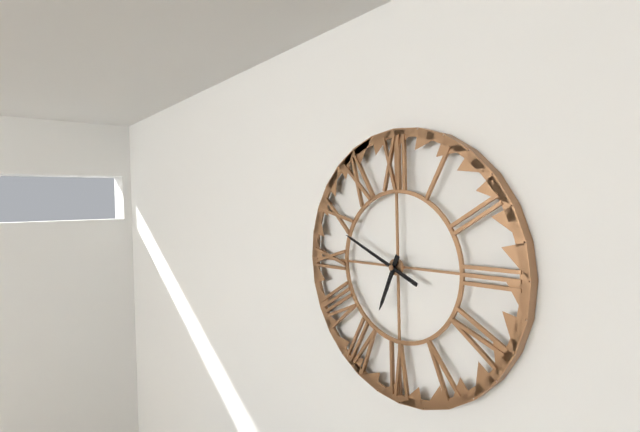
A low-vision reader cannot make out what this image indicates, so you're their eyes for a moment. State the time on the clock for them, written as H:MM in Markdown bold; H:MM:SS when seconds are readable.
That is **6:49**
